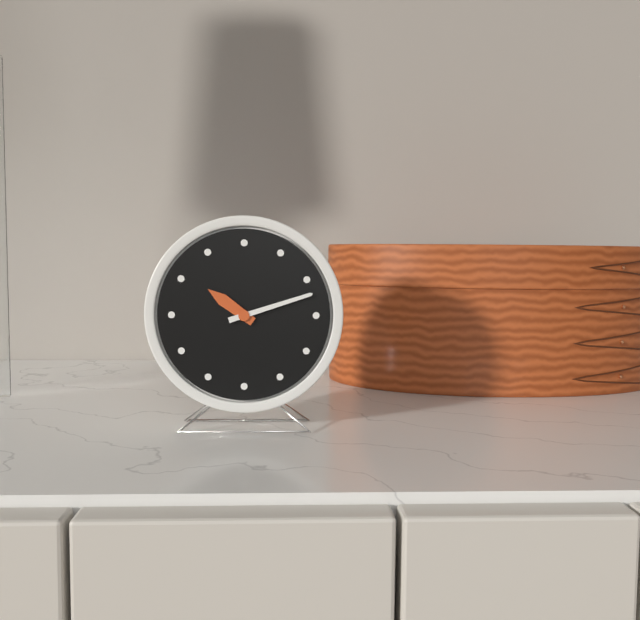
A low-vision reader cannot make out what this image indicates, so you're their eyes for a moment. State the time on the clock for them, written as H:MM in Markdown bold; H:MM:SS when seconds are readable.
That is **10:12**
